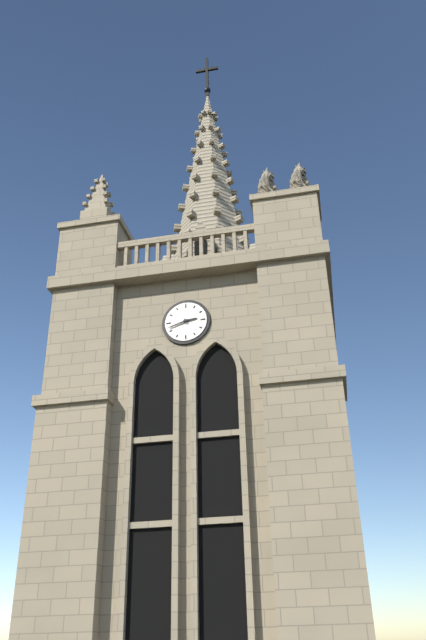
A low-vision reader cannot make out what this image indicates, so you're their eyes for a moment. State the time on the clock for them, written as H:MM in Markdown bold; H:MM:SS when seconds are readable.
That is **2:42**
